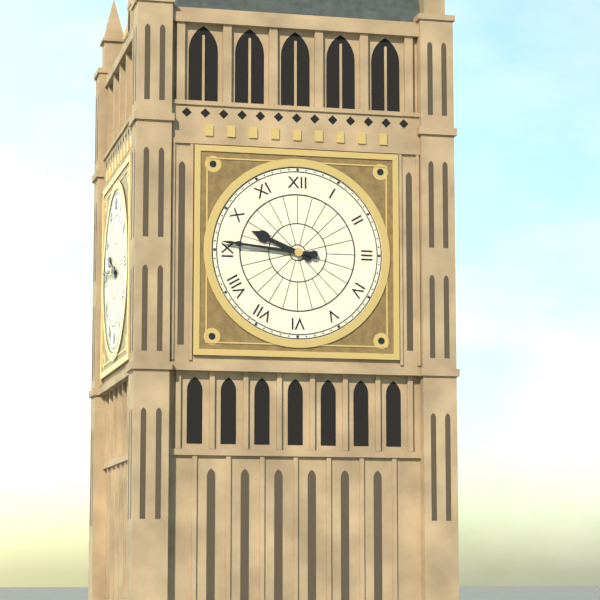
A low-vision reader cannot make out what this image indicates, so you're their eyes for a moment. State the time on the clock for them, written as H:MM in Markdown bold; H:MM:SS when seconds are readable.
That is **9:46**
